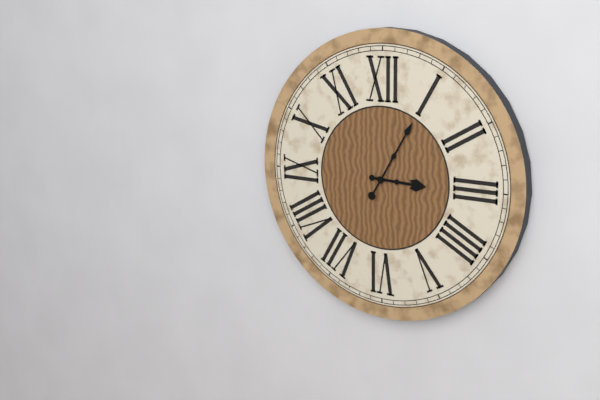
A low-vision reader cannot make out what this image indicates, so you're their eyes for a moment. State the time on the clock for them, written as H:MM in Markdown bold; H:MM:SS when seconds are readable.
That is **3:05**
